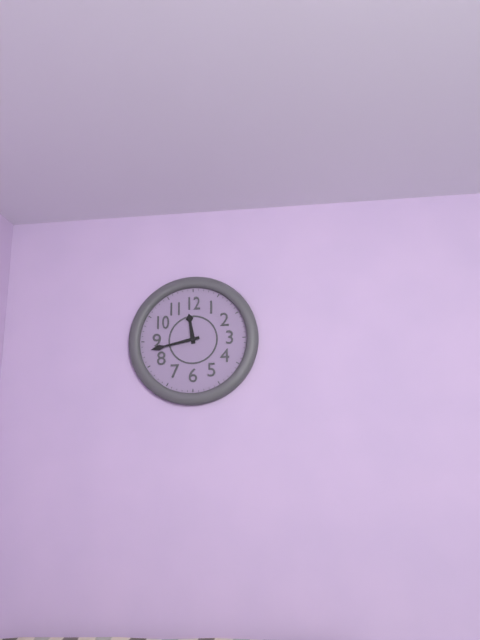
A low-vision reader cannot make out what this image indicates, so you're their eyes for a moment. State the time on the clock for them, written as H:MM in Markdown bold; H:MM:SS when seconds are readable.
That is **11:43**
